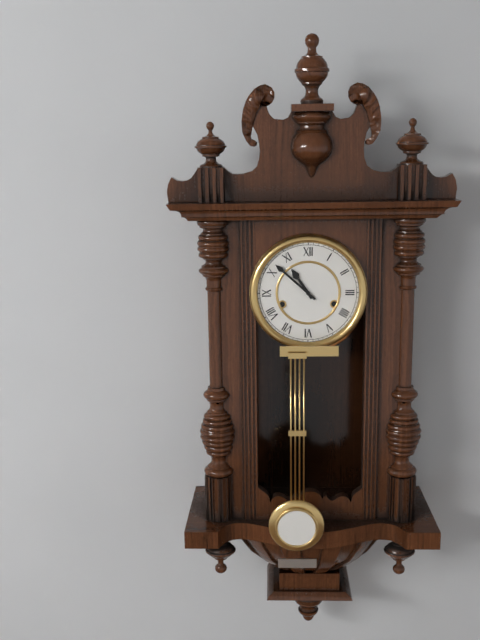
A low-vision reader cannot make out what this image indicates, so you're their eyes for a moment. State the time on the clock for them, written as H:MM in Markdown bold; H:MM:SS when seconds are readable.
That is **10:52**
